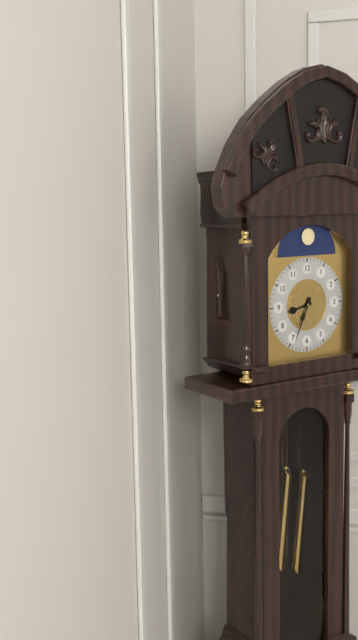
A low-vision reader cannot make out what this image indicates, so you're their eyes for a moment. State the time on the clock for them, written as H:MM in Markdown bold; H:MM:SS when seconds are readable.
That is **8:34**
